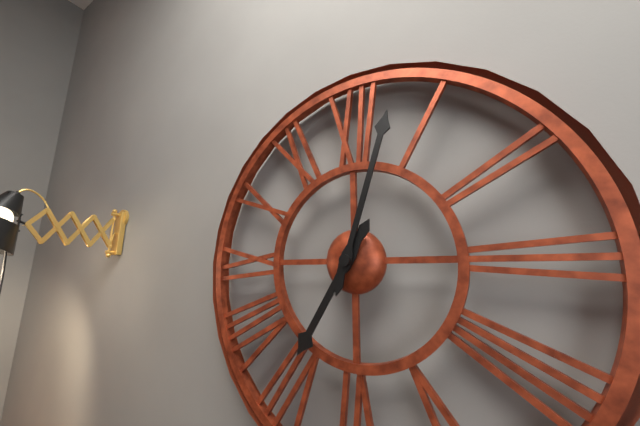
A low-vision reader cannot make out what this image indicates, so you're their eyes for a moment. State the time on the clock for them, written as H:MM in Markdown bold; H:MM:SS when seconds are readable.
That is **7:03**
